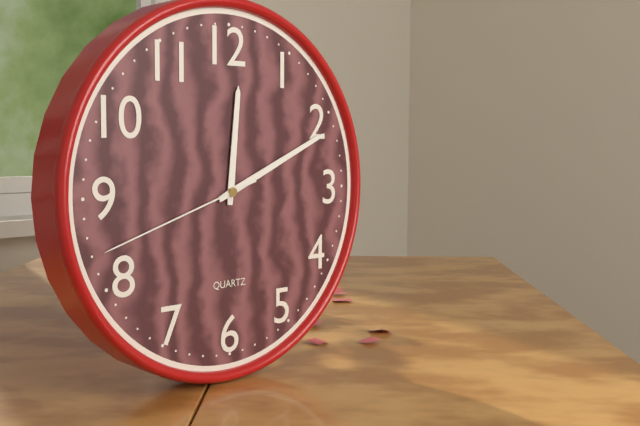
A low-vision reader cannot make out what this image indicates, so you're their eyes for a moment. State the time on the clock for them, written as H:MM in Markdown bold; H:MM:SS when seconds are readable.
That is **12:11:42**
